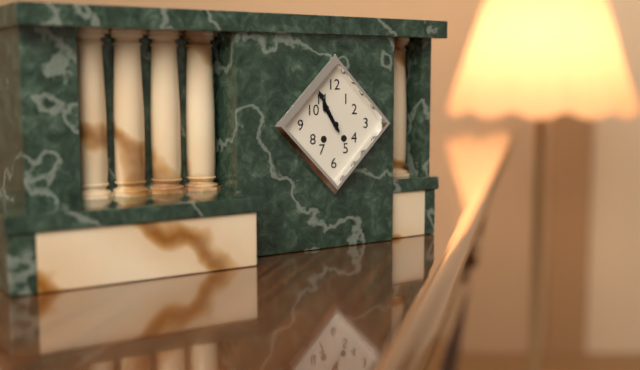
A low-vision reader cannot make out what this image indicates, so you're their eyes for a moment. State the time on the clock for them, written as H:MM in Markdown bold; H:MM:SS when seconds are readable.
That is **10:55**
